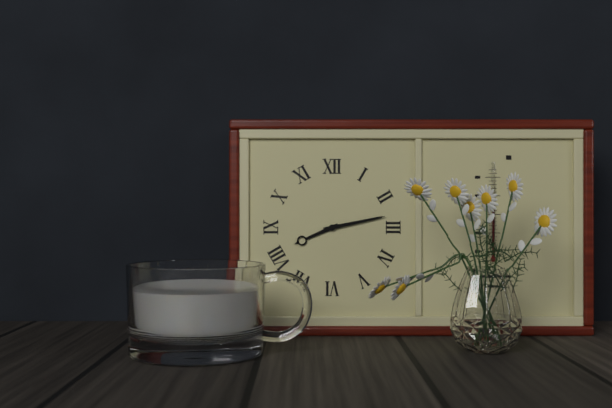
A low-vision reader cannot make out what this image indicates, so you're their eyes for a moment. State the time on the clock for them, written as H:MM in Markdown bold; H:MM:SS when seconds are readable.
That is **8:13**
